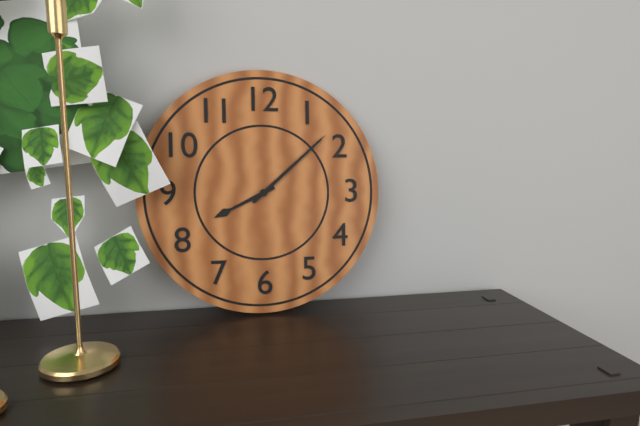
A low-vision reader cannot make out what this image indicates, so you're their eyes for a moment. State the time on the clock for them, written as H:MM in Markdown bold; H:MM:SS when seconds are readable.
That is **8:08**
